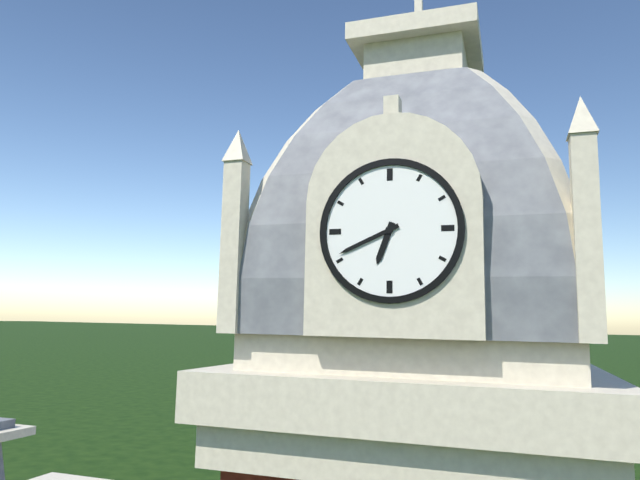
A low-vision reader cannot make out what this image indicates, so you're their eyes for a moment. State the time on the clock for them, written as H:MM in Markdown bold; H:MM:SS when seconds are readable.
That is **6:41**
